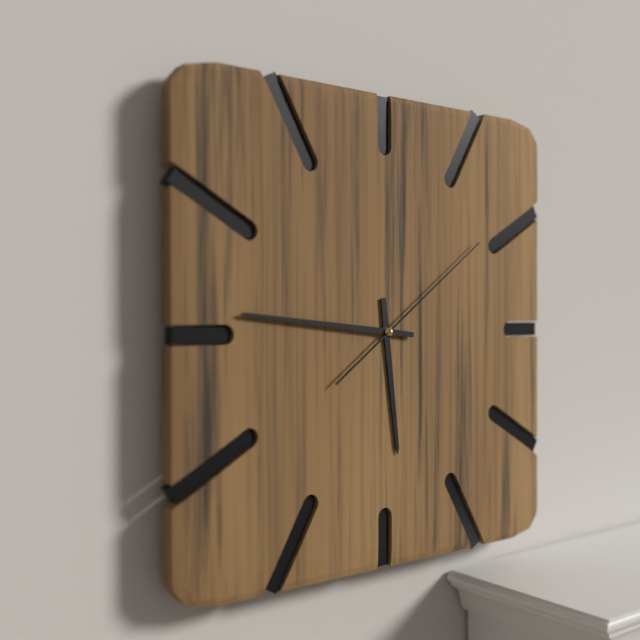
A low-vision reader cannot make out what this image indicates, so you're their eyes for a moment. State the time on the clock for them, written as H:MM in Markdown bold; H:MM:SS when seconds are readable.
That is **5:46:09**
